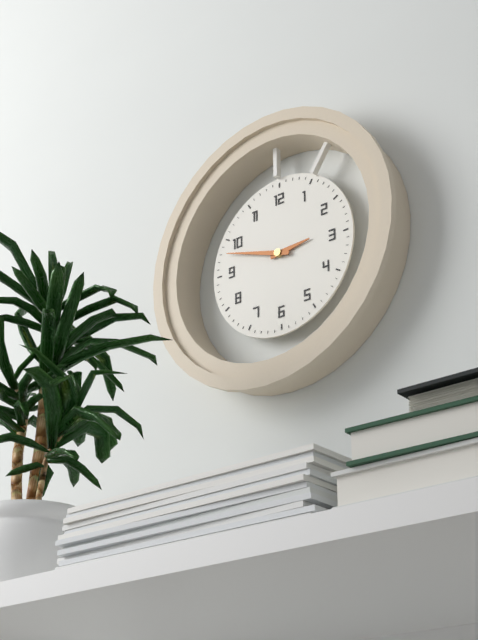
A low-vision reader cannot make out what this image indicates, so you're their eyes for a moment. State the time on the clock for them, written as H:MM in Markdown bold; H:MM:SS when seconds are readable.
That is **2:48**
